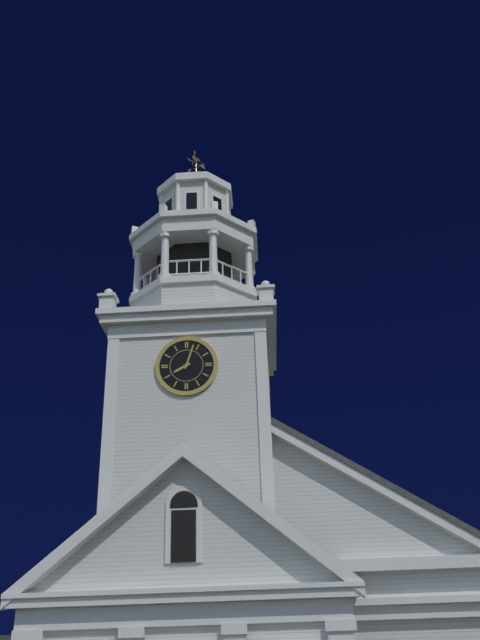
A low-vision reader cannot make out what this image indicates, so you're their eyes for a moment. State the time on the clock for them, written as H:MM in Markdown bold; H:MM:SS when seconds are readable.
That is **8:03**
